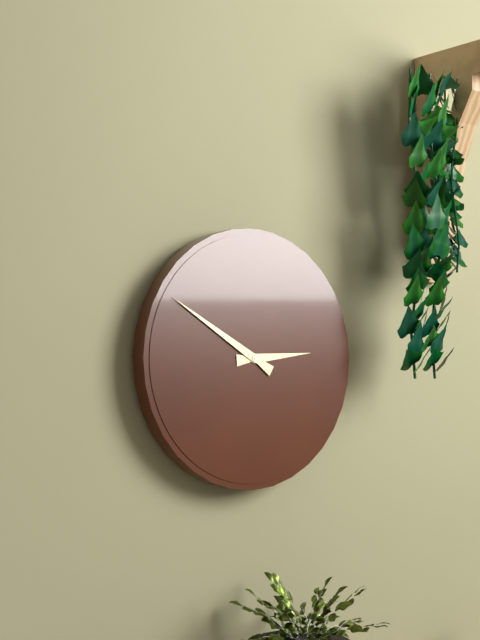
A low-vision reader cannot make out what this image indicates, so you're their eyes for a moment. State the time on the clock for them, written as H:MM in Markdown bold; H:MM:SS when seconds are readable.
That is **2:50**
